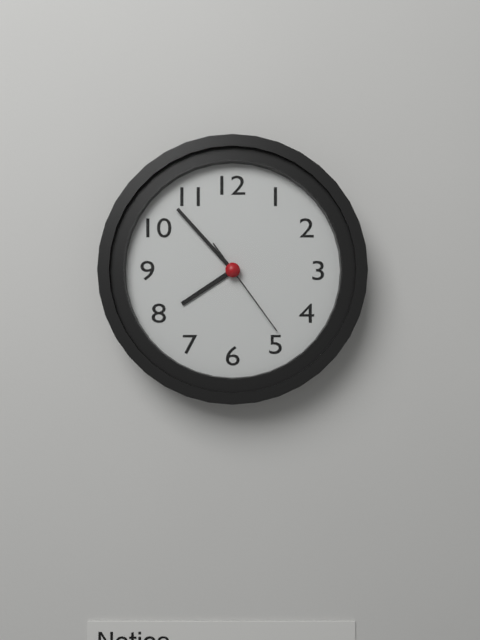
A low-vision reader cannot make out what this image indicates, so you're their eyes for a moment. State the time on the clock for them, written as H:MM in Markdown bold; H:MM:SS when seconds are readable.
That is **7:53:24**
